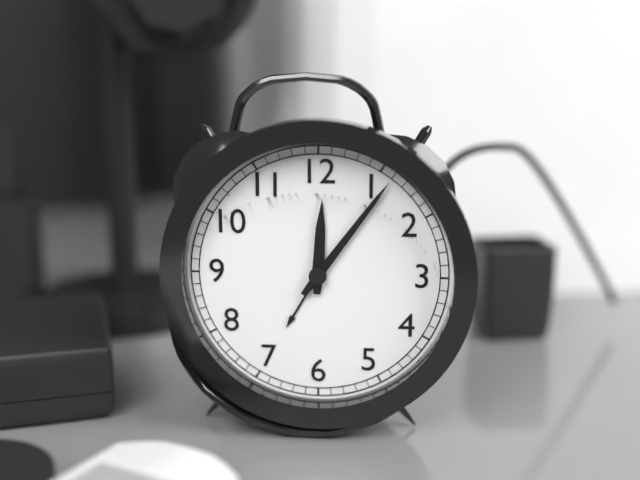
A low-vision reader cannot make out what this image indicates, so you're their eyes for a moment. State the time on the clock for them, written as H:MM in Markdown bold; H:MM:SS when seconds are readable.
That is **12:06**
